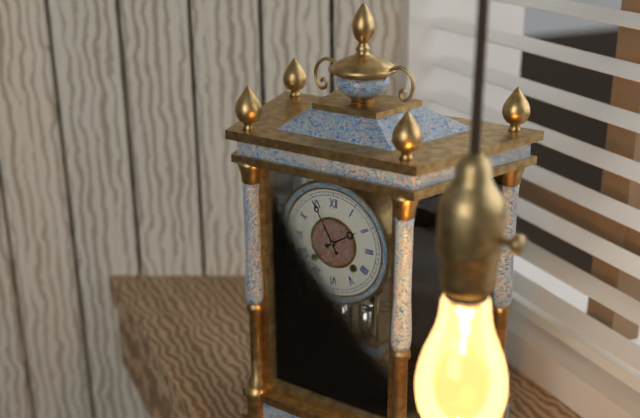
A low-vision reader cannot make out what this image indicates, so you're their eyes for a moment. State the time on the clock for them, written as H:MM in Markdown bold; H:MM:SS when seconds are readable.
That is **1:55**
